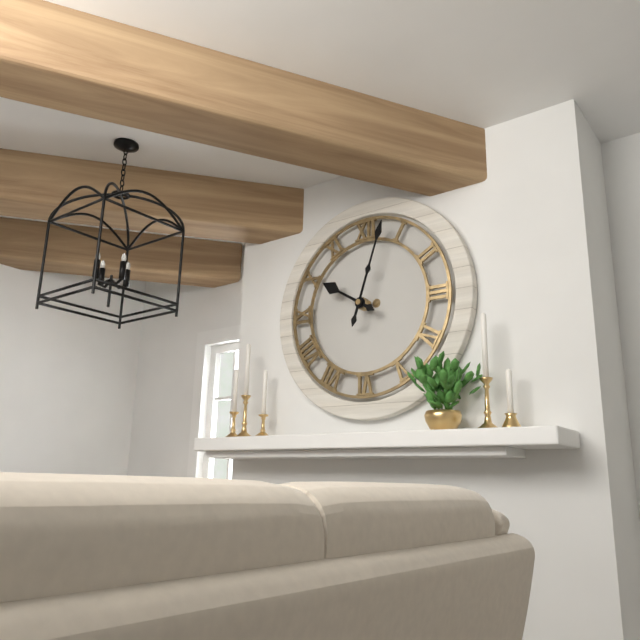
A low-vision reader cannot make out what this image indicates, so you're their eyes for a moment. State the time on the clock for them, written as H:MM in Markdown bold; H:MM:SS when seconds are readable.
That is **10:03**
